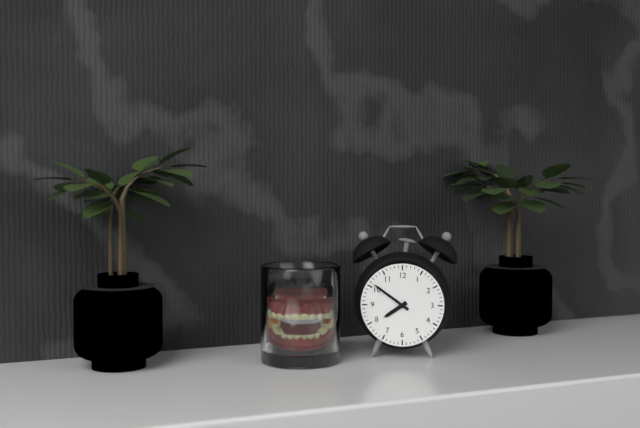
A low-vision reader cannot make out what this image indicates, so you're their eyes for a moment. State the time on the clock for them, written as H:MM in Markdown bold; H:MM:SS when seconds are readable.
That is **7:51**
